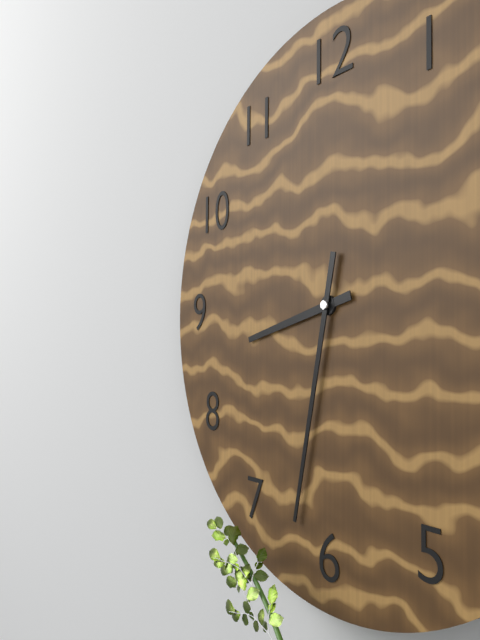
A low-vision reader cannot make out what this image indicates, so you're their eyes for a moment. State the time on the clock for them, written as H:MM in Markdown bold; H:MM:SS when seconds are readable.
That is **8:32**
